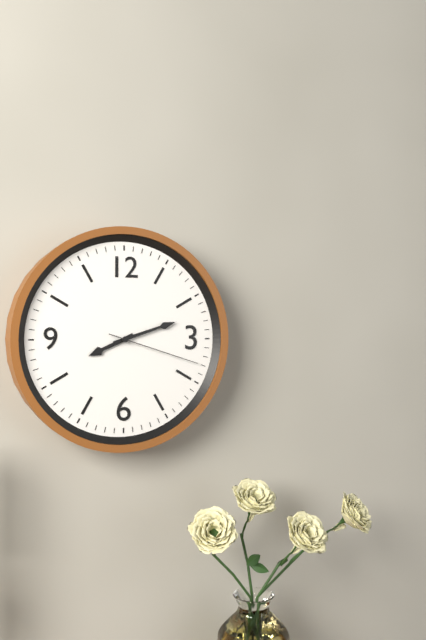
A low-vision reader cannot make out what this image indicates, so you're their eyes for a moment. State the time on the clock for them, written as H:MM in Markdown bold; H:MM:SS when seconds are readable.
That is **8:12:18**
